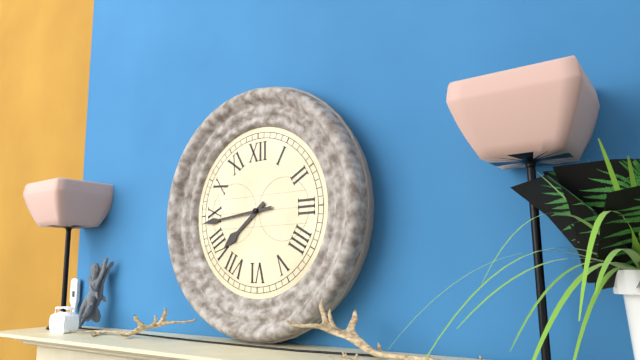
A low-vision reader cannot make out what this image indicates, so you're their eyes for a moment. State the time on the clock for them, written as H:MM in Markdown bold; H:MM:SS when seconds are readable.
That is **7:44**
